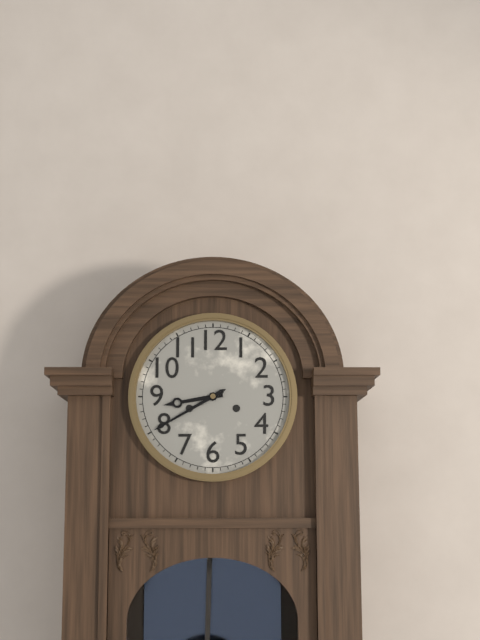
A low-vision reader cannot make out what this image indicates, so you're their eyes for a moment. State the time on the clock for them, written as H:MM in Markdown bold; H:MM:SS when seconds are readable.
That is **8:40**
